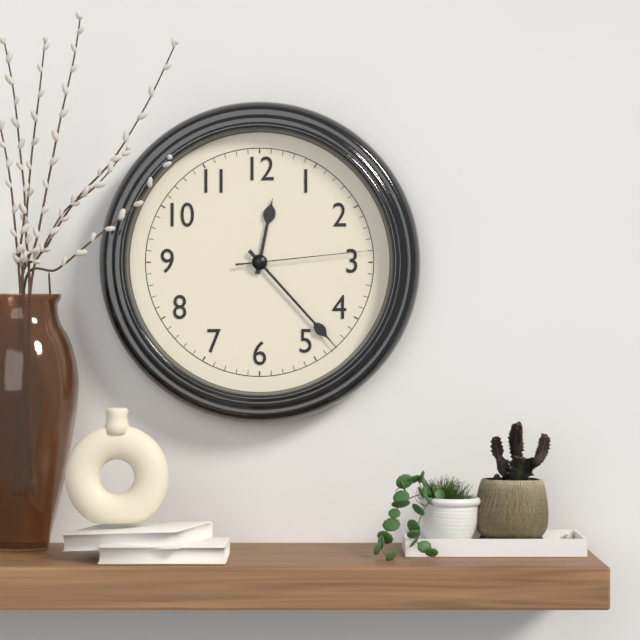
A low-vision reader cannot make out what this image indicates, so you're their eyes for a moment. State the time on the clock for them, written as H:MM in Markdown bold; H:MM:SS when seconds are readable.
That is **12:23:14**
